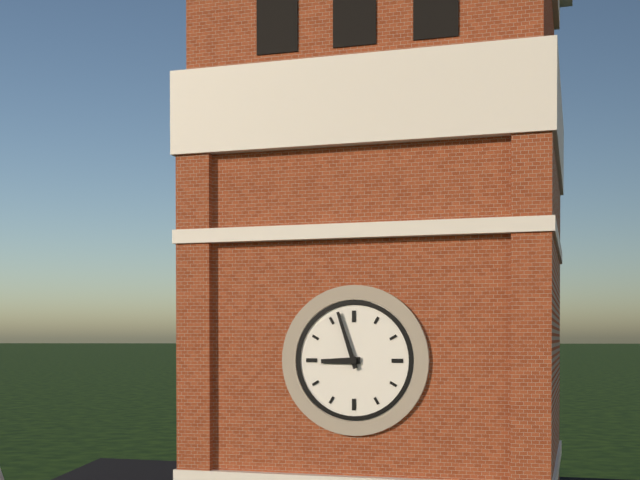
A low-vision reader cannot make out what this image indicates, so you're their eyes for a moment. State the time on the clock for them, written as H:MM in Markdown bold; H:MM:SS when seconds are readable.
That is **8:57**
